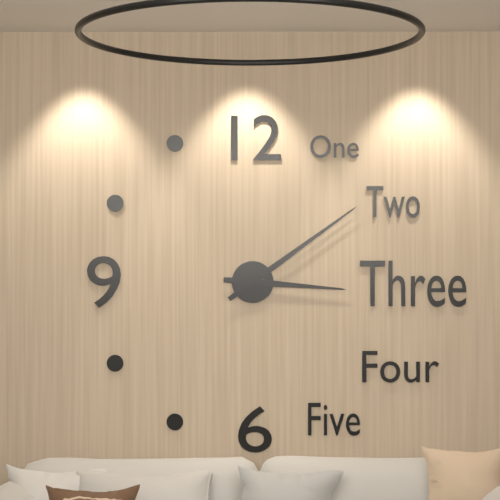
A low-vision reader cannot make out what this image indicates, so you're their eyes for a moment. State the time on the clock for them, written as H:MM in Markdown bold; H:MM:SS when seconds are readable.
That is **3:09**
